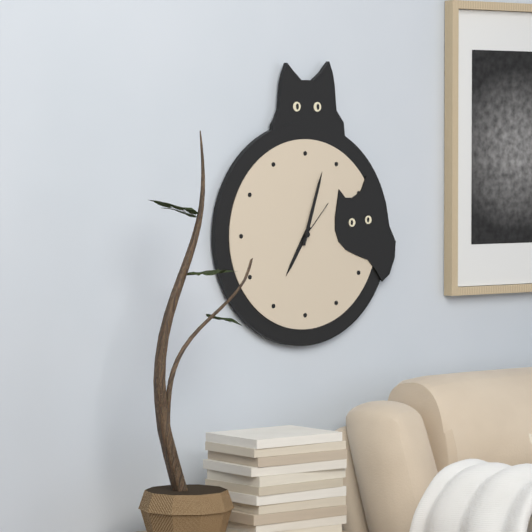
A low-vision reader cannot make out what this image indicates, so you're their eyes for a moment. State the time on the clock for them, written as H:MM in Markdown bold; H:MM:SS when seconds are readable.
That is **7:03**
